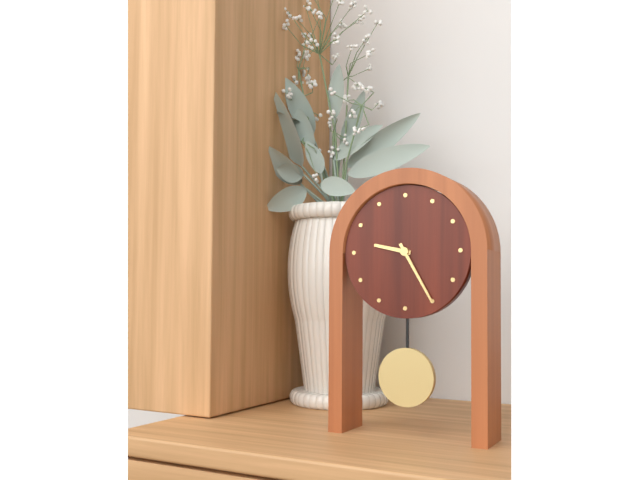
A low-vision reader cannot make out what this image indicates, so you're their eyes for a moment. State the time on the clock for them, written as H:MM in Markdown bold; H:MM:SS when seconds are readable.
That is **9:25**
